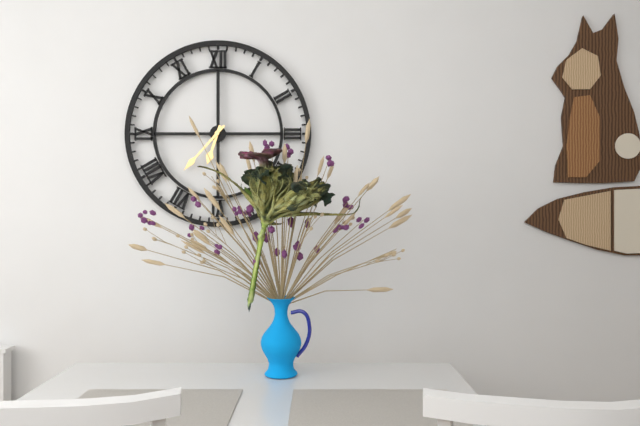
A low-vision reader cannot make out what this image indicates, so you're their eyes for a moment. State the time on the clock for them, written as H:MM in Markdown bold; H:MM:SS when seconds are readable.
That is **6:37**
